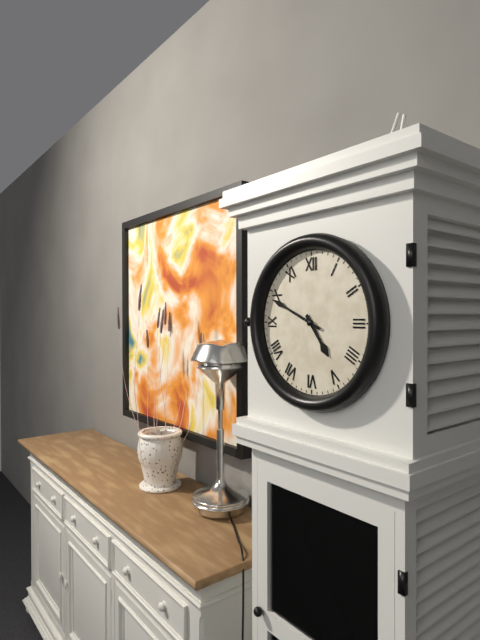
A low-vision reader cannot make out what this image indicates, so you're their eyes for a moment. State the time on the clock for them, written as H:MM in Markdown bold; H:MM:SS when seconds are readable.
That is **4:49**
